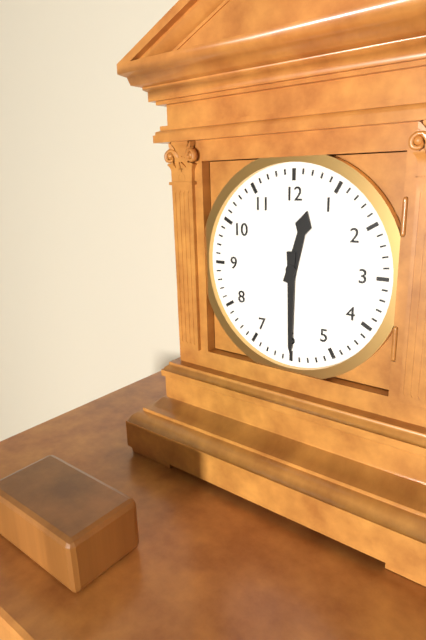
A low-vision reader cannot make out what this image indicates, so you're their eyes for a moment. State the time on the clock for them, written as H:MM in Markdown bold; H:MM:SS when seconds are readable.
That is **12:30**
